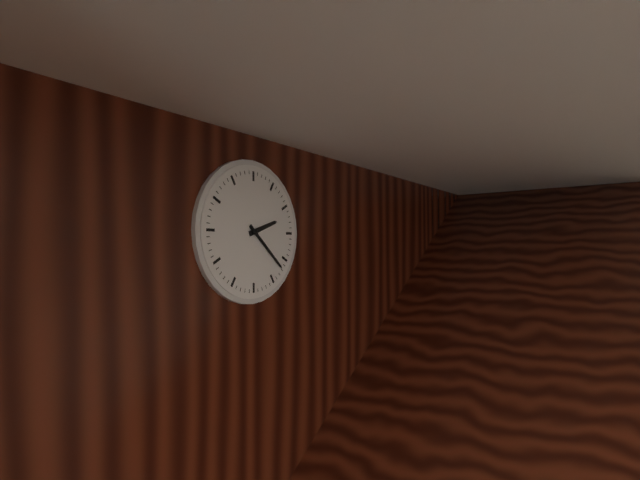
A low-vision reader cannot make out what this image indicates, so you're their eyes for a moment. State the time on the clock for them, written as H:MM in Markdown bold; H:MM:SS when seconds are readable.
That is **2:22**
